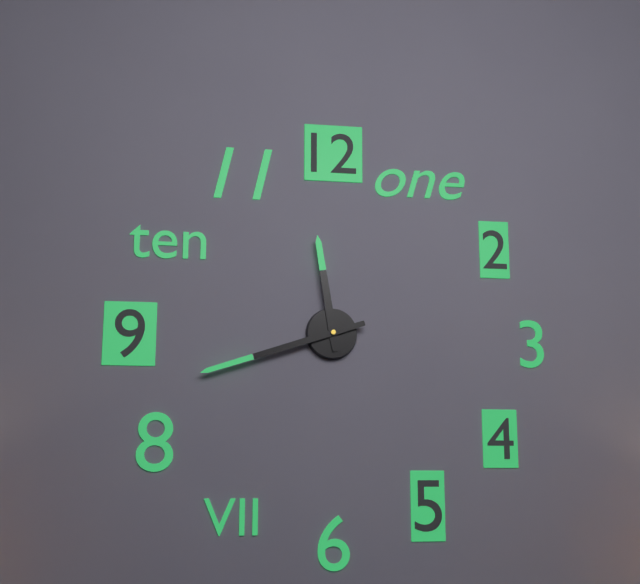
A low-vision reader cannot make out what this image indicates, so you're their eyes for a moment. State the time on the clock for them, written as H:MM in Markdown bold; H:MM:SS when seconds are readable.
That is **11:42**
